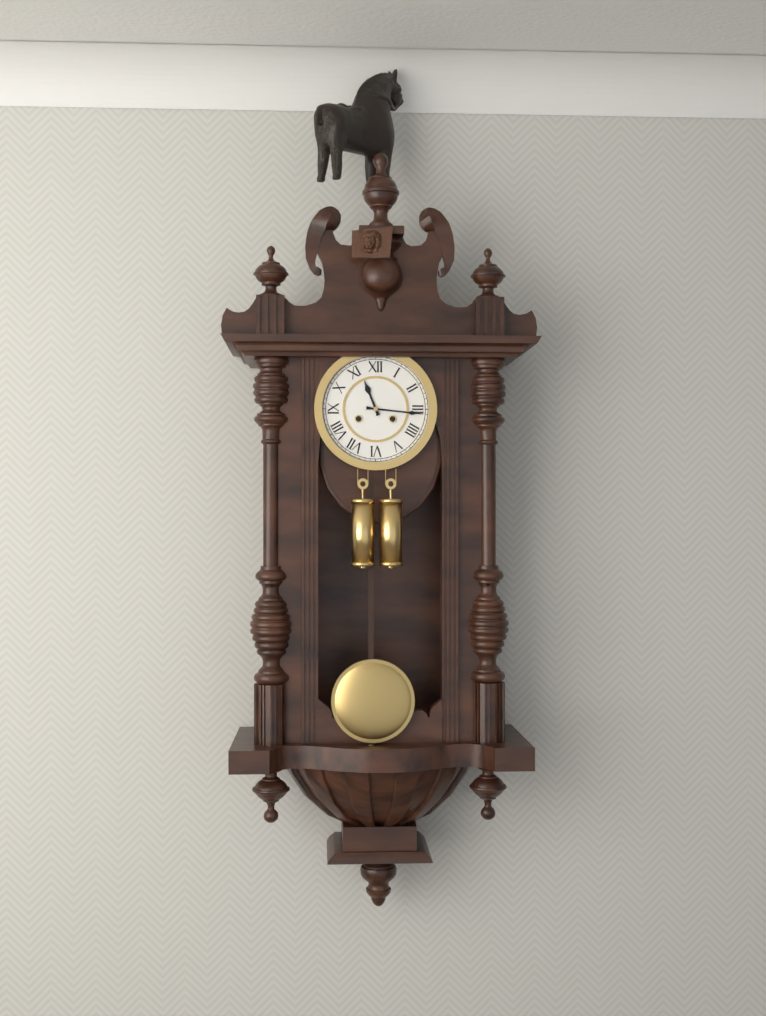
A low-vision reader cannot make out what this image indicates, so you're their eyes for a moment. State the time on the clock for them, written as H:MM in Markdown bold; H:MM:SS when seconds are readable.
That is **11:16**
